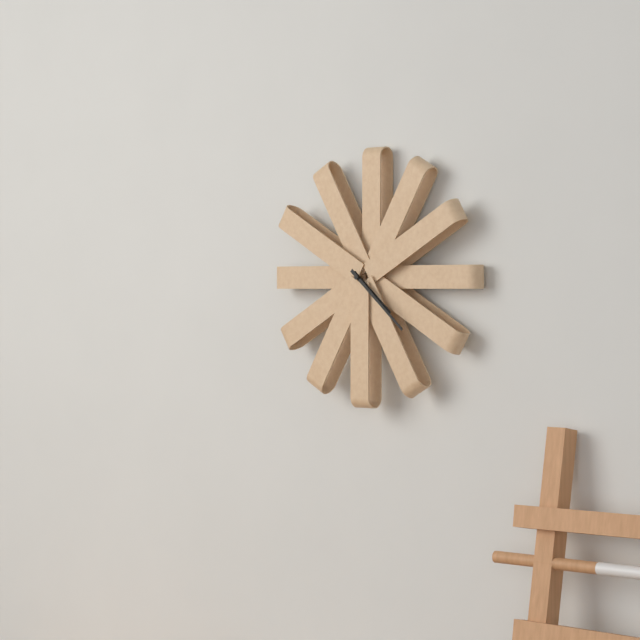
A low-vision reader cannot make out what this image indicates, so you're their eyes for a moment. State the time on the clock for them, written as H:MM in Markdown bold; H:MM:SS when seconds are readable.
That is **4:22**
